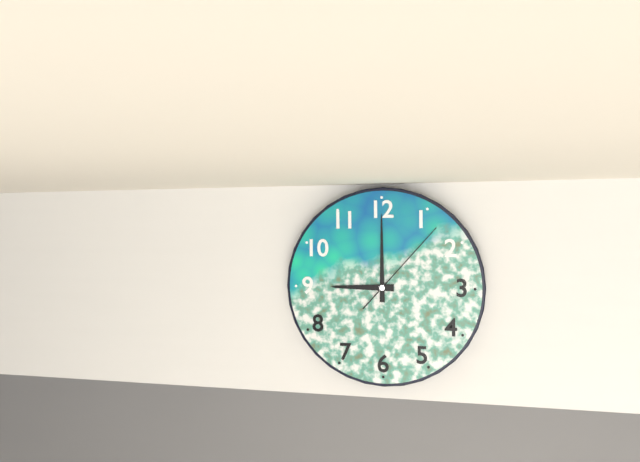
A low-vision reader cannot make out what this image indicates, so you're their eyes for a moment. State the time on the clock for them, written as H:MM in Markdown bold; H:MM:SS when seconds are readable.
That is **9:00:07**
